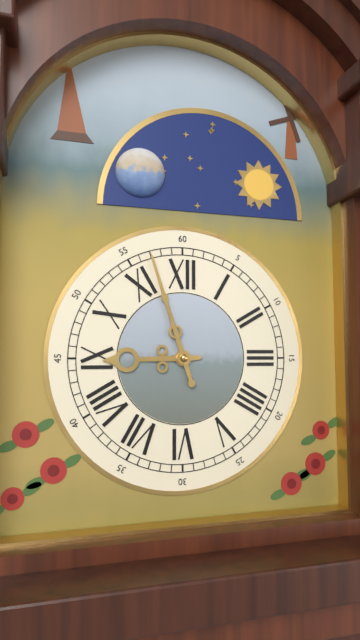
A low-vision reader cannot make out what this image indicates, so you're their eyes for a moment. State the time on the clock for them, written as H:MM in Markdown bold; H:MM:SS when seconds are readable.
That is **8:57**
